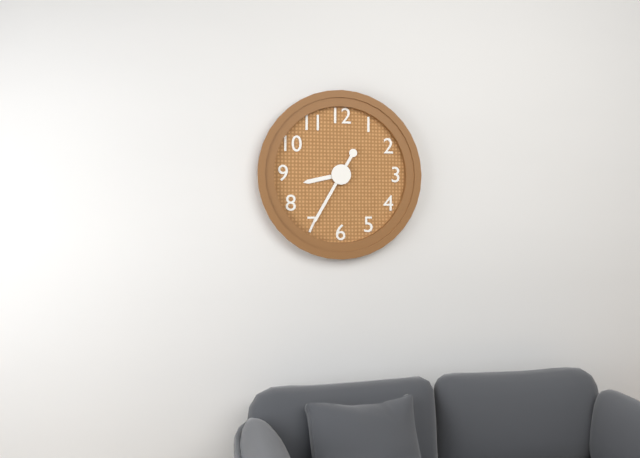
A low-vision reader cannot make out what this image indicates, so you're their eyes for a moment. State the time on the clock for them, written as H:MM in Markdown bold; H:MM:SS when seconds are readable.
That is **8:35**
